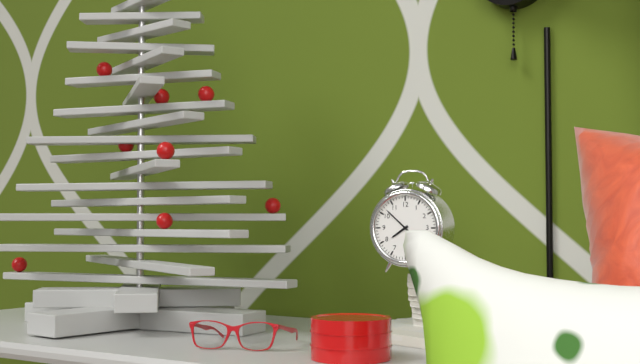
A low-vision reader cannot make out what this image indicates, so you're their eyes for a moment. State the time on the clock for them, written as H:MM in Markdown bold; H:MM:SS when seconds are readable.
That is **7:52**
